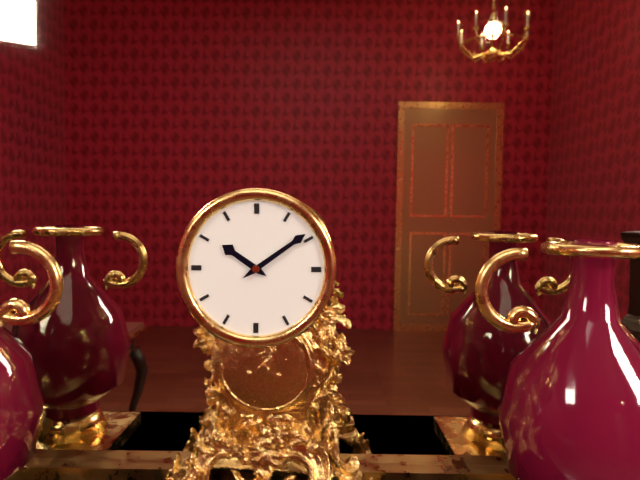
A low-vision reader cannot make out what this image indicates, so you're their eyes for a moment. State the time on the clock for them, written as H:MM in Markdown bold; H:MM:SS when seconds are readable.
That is **10:09**
